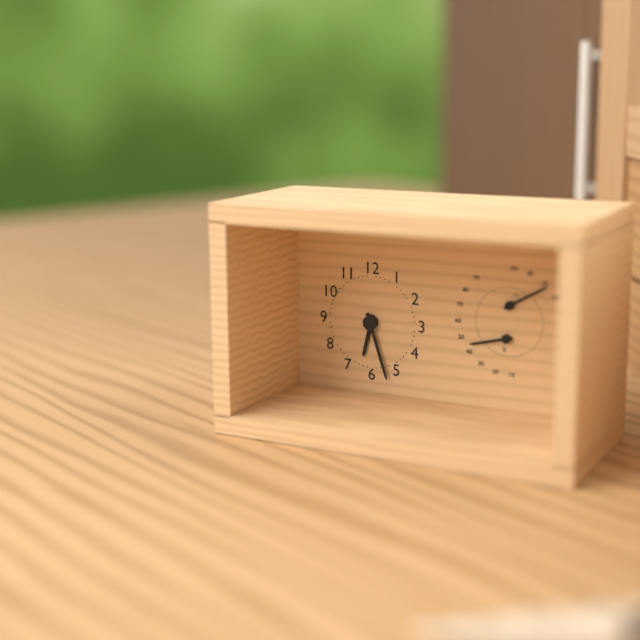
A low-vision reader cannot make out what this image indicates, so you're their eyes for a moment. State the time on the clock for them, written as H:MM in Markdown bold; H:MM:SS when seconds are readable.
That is **6:27**
